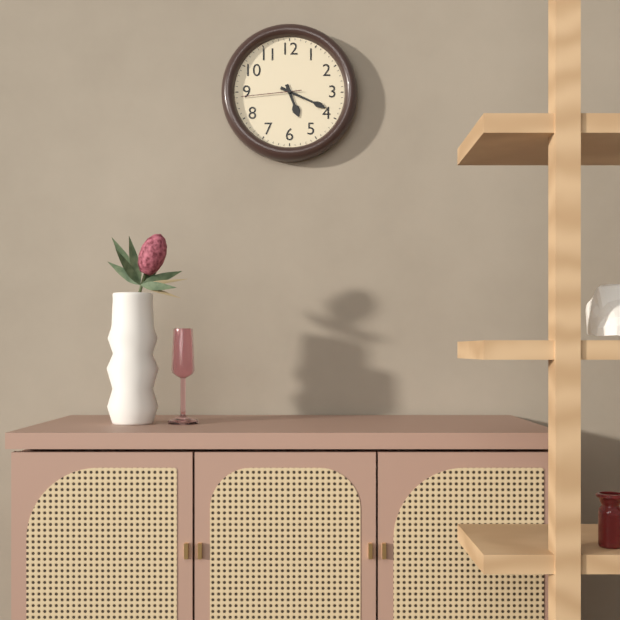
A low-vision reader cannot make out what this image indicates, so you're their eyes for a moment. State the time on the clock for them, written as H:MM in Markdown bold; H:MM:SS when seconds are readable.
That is **5:19:44**
